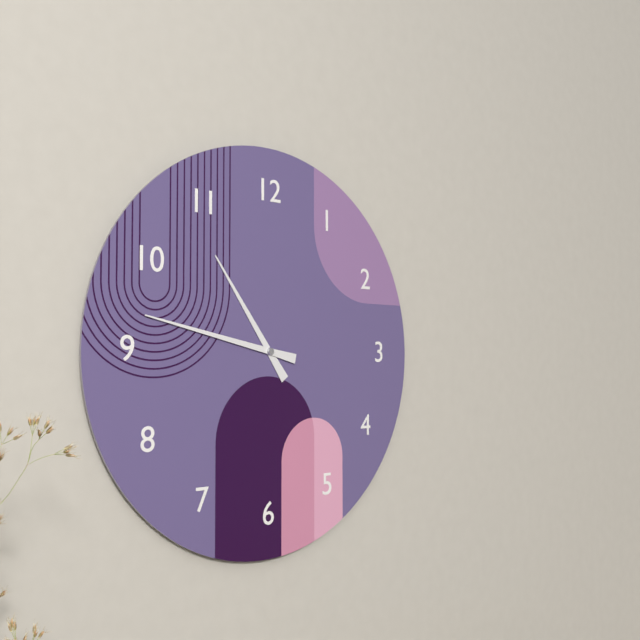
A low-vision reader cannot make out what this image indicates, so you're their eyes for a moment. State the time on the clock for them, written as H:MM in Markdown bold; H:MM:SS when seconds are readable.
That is **10:47**
